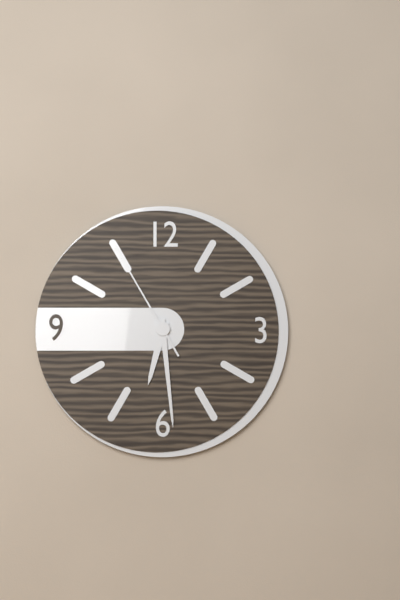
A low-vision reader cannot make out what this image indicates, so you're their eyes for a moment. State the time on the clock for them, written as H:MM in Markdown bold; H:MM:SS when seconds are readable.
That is **6:29:55**
